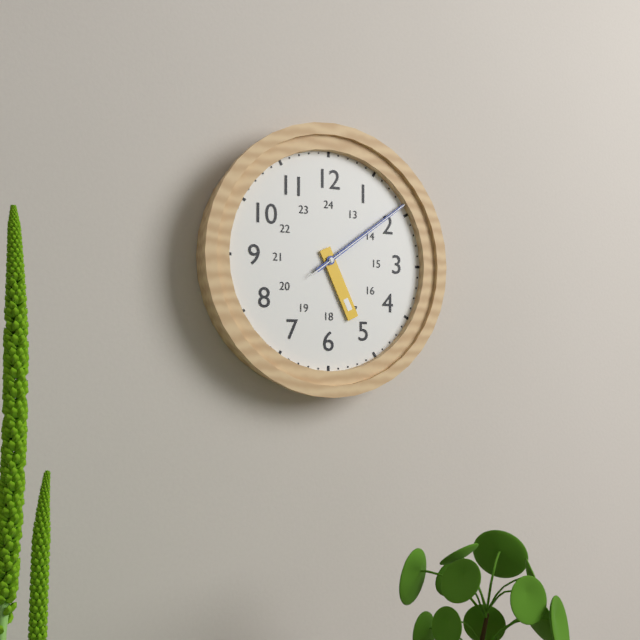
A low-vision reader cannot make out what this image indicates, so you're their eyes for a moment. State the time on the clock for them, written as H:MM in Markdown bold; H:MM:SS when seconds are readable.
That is **5:09:09**
